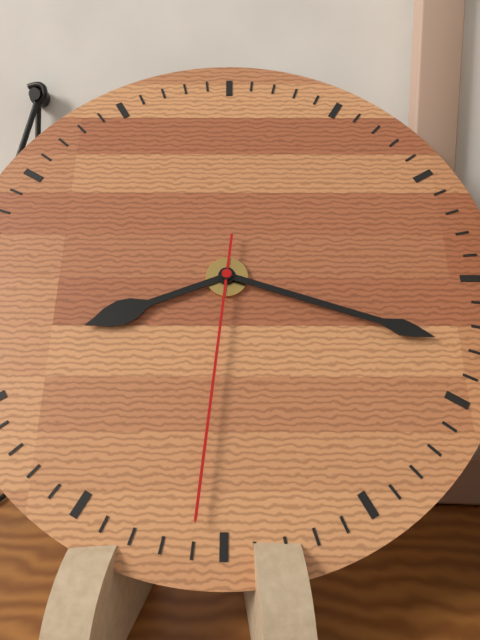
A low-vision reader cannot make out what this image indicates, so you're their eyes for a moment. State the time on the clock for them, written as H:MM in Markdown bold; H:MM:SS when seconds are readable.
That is **8:18:31**
